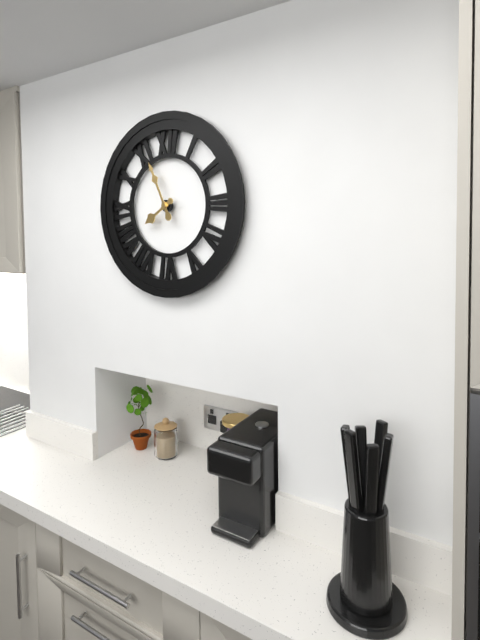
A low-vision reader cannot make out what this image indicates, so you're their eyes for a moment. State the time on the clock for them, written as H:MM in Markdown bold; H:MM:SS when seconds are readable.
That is **7:56**
